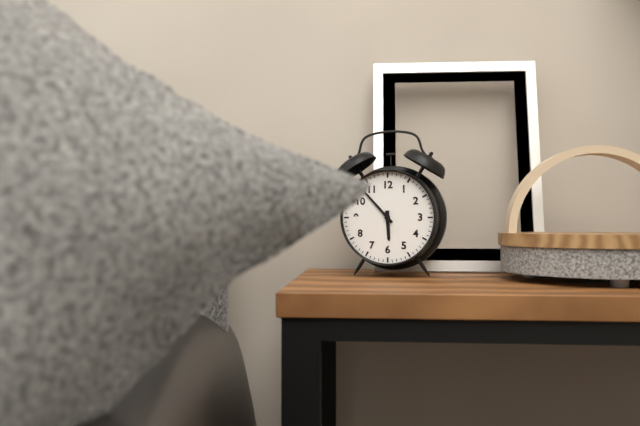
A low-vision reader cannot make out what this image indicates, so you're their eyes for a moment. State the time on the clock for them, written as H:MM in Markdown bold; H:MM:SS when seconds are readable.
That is **5:53**
